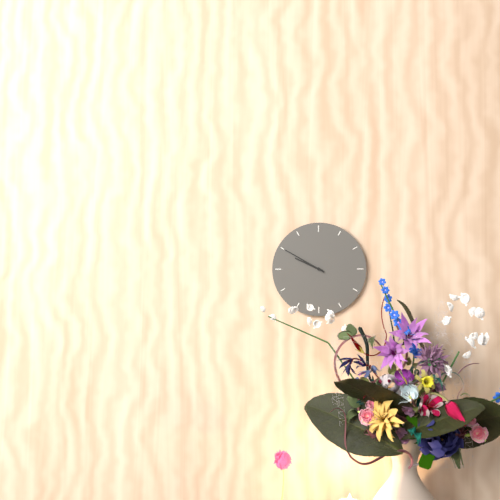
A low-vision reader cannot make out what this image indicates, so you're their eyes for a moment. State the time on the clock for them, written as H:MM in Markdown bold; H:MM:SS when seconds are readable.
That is **9:50**
